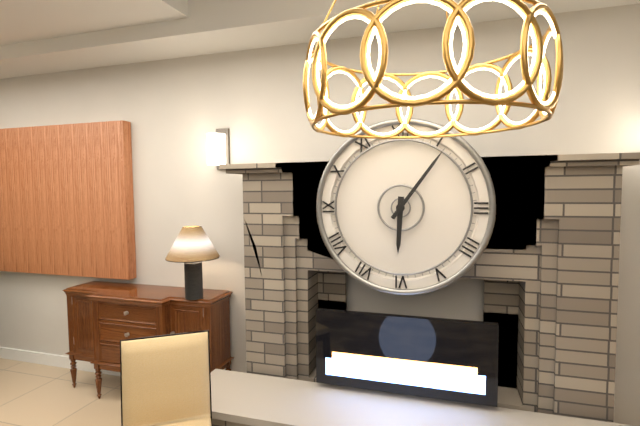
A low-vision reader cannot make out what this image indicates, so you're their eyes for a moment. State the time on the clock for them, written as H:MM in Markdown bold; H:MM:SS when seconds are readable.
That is **6:06**
